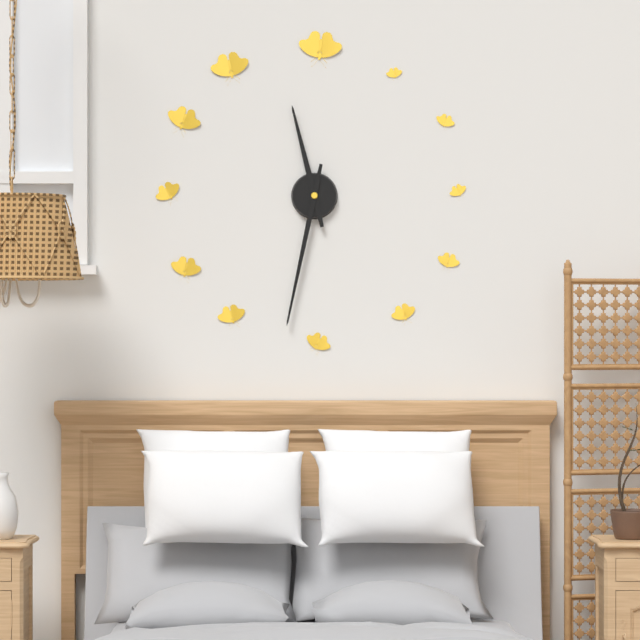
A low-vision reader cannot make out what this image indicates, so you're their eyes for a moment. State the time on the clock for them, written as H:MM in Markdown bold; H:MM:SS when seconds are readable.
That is **11:32**
